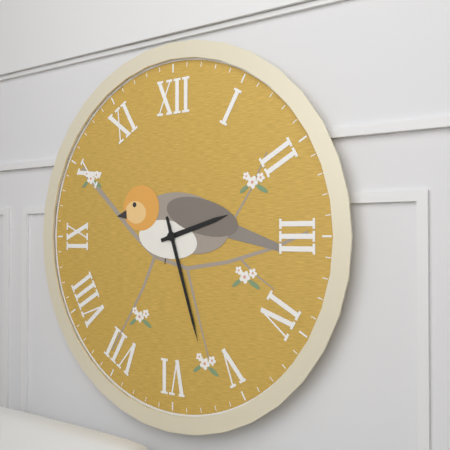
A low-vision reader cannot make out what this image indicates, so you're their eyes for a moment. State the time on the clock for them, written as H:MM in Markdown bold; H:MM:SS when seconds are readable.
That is **2:27**
